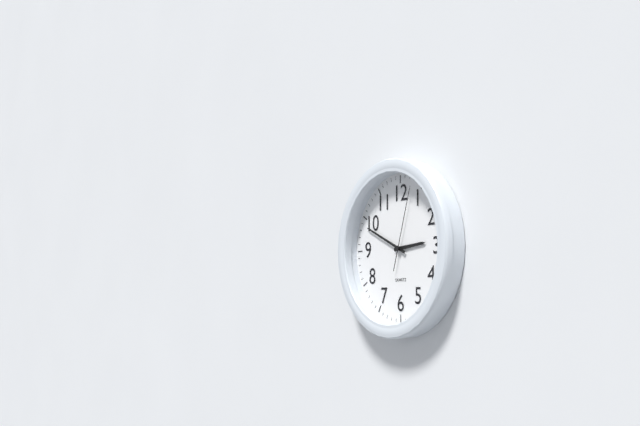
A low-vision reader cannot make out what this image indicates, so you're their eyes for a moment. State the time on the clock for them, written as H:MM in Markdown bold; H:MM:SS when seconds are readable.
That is **2:49:03**
